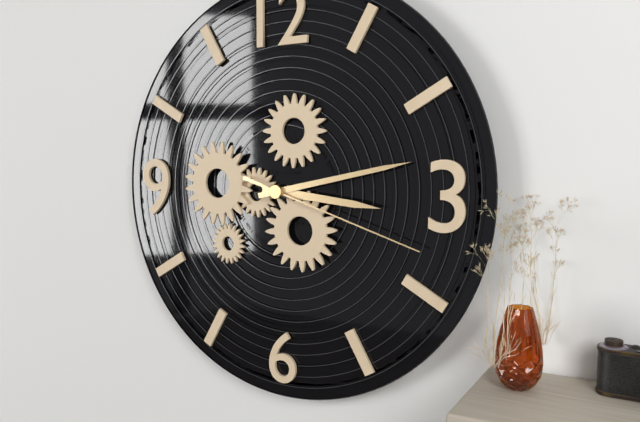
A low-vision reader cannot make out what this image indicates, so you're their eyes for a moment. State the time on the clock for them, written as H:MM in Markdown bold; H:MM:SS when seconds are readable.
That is **3:13:18**
